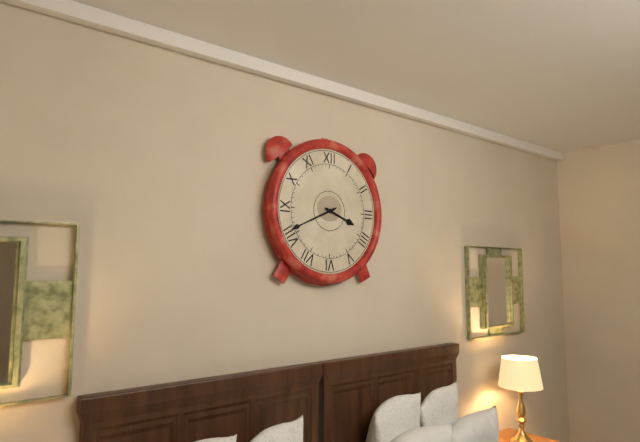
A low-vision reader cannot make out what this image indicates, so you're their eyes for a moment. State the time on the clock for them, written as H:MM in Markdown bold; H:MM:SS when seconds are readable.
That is **3:41**
